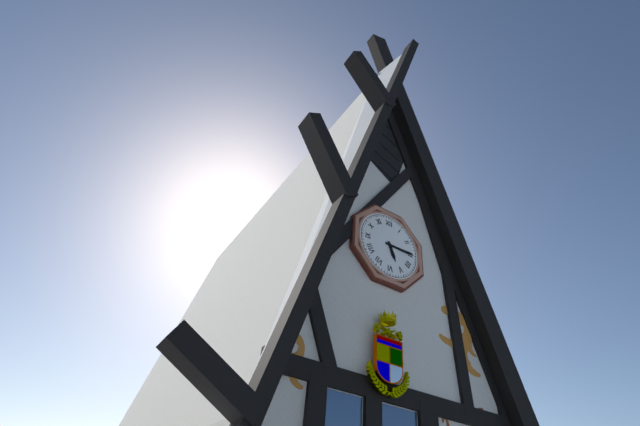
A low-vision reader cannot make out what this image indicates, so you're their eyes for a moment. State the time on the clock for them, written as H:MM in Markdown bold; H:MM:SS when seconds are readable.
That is **5:15**
